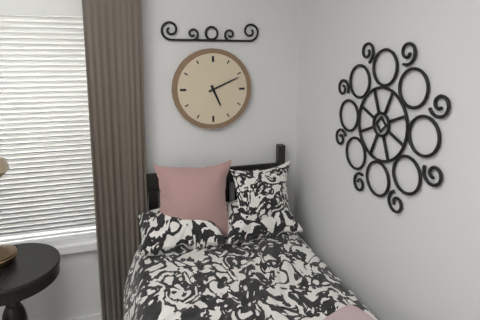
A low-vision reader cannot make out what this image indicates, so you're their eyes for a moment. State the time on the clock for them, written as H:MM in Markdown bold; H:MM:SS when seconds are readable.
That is **5:11**
